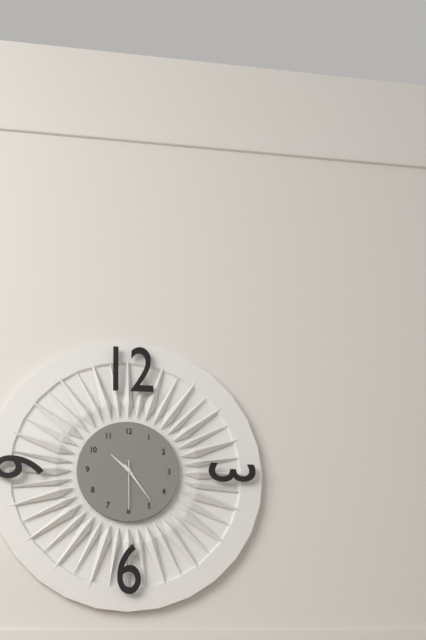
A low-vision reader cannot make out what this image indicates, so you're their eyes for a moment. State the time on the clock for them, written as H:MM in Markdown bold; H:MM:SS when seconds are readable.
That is **10:24**
